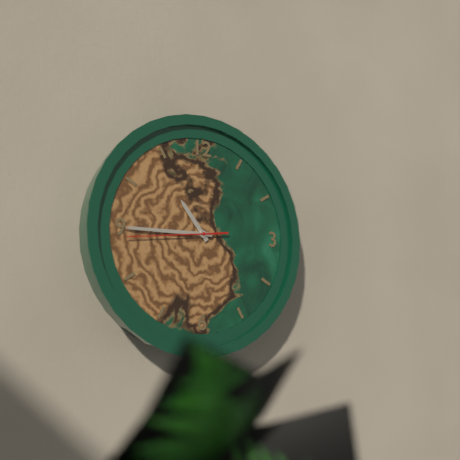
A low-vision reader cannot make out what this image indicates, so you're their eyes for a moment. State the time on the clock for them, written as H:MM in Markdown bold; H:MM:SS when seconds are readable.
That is **10:45:44**
